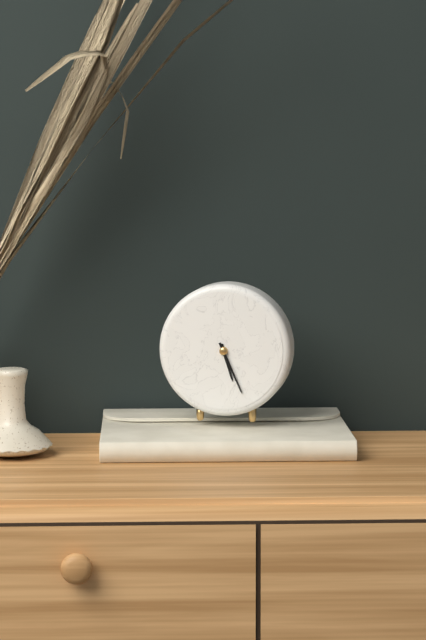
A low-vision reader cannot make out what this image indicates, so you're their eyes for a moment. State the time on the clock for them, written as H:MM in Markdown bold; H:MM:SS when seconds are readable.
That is **5:26**
